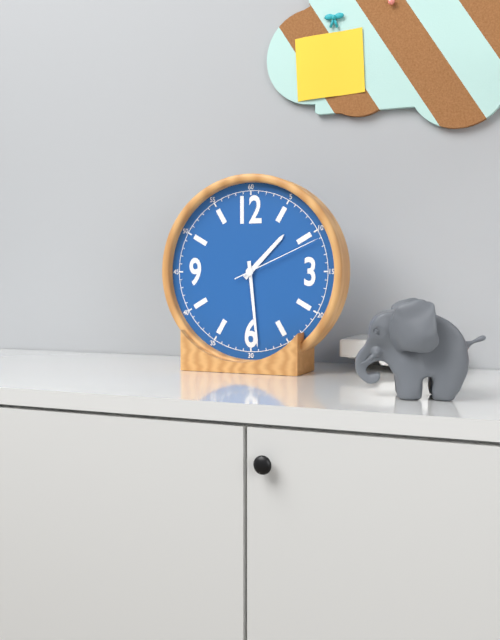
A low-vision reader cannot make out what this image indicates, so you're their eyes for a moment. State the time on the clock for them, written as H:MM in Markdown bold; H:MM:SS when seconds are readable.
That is **1:29:11**
